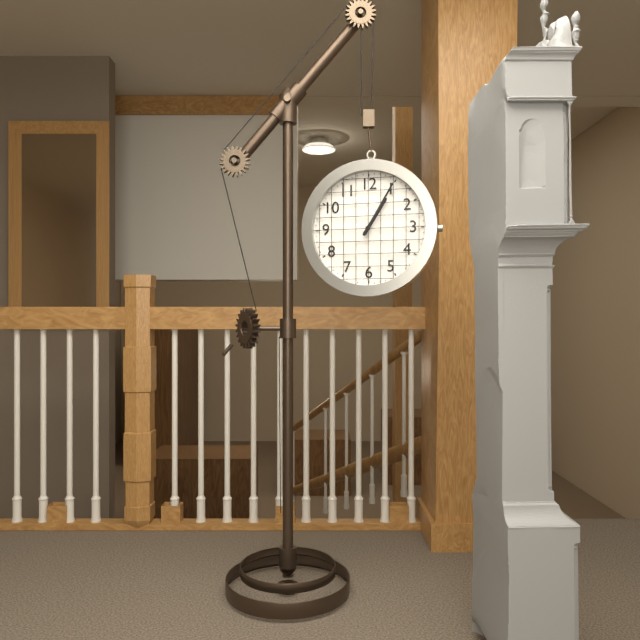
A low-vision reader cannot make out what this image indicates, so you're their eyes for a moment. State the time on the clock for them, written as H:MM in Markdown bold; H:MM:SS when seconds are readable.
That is **1:05**
